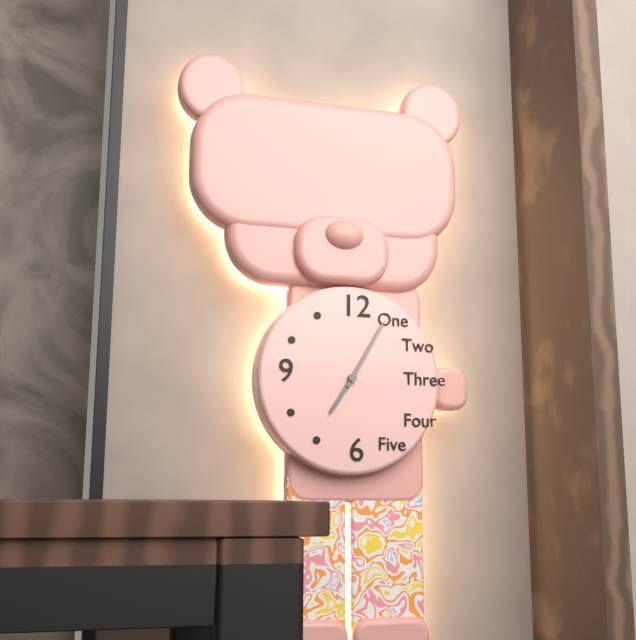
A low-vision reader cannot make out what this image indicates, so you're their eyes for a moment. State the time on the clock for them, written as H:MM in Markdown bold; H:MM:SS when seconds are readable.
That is **7:05**
